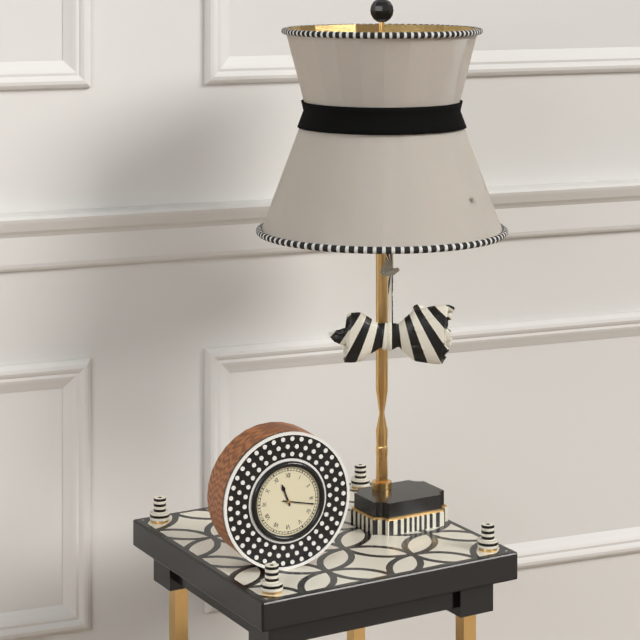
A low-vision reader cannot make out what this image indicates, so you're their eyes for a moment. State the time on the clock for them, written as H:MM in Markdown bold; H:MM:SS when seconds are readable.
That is **11:17**
